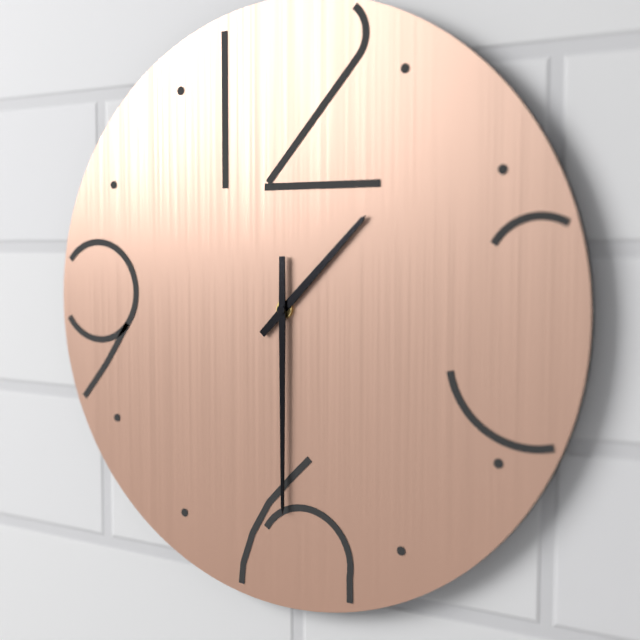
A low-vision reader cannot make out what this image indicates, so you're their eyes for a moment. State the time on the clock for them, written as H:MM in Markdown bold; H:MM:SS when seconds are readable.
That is **1:30**
